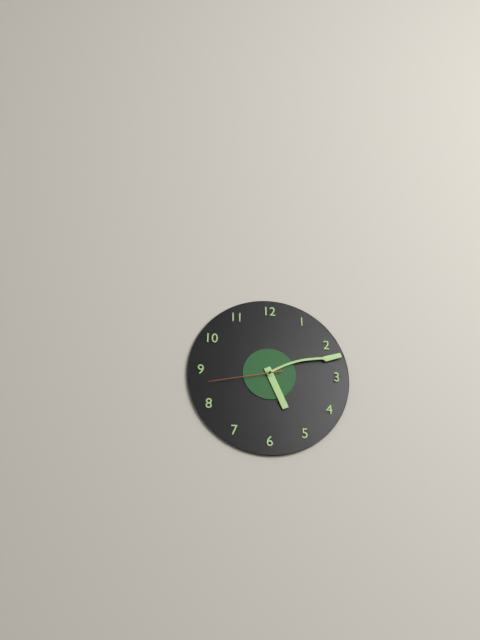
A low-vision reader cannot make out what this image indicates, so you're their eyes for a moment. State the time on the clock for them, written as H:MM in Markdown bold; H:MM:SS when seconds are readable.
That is **5:12:43**
